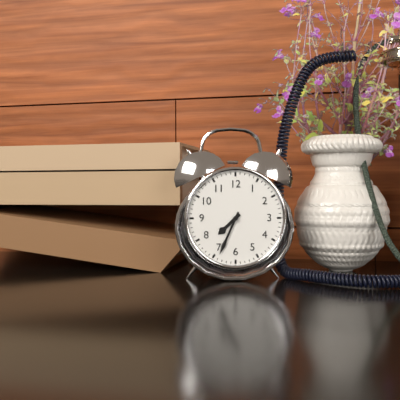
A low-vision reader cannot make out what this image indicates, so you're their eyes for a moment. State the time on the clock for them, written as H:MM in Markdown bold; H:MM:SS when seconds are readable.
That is **7:34**
